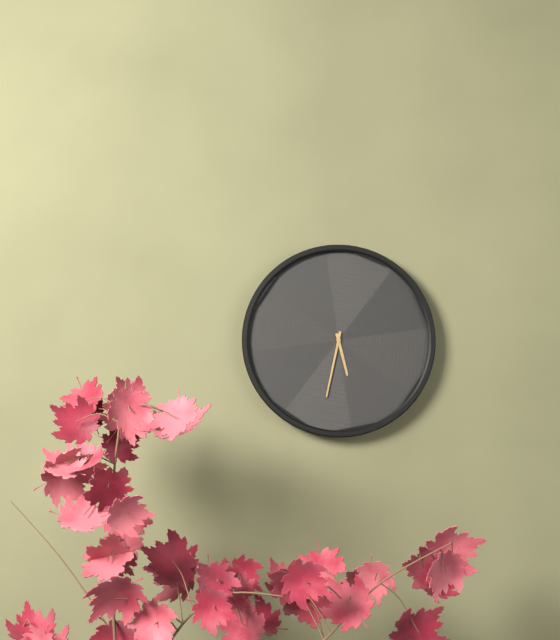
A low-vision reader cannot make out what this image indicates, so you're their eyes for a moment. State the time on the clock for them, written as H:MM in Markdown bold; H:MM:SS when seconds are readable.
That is **5:32**
